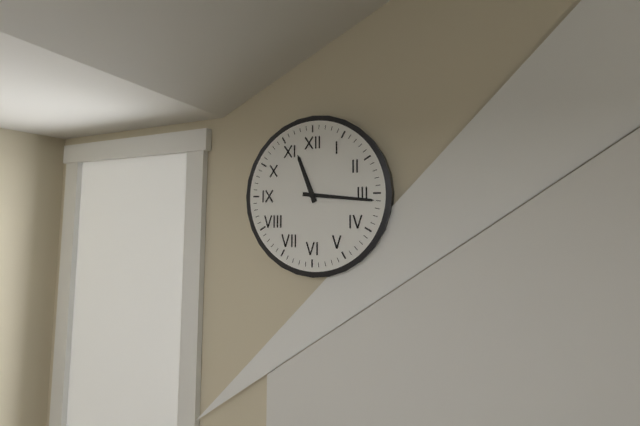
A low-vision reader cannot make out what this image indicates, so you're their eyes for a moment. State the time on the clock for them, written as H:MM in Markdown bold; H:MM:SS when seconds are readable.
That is **11:16**
